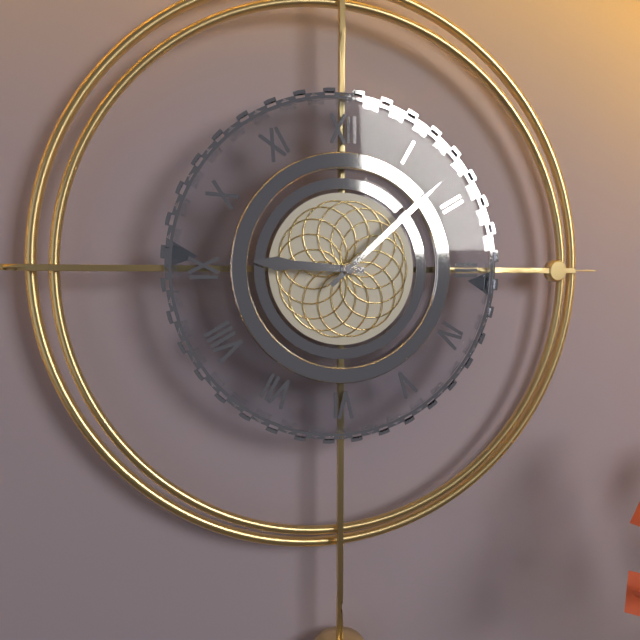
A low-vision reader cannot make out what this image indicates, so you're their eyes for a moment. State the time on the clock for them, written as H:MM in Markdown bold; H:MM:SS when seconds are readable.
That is **9:08**
